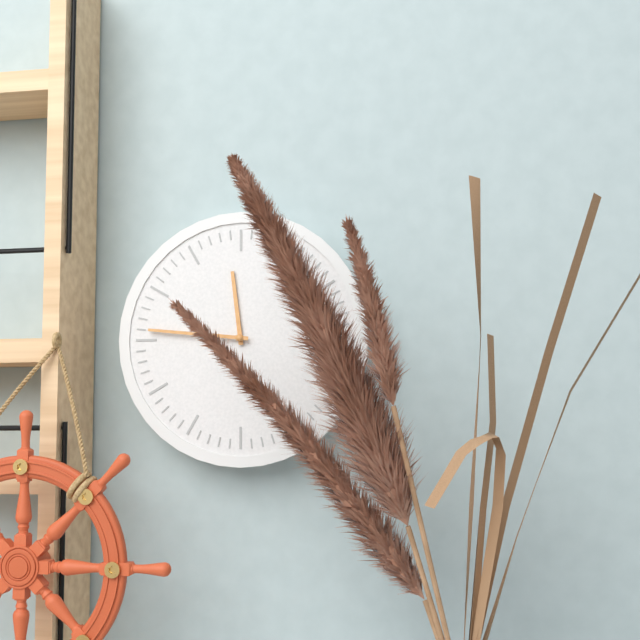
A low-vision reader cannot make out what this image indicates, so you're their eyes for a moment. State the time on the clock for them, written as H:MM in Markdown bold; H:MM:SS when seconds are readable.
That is **11:46**
